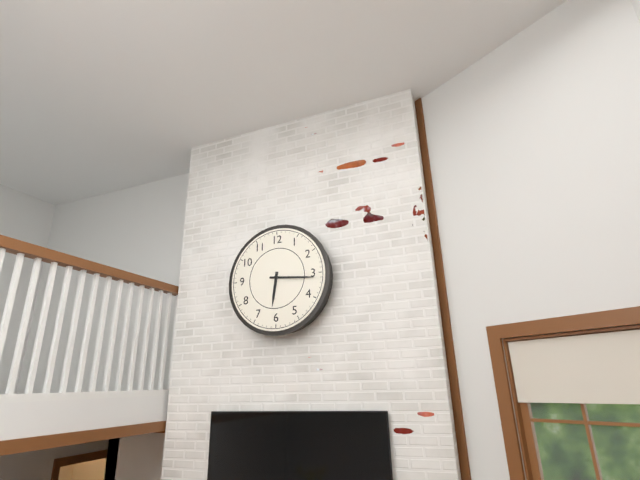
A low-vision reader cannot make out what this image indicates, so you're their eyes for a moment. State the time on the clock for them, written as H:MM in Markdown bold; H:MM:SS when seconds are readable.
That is **6:16**
